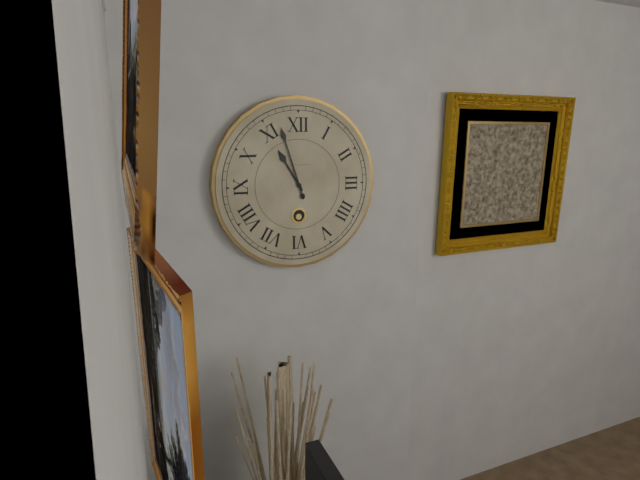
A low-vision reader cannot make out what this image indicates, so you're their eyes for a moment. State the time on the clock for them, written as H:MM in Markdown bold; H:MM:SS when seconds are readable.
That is **10:57**
